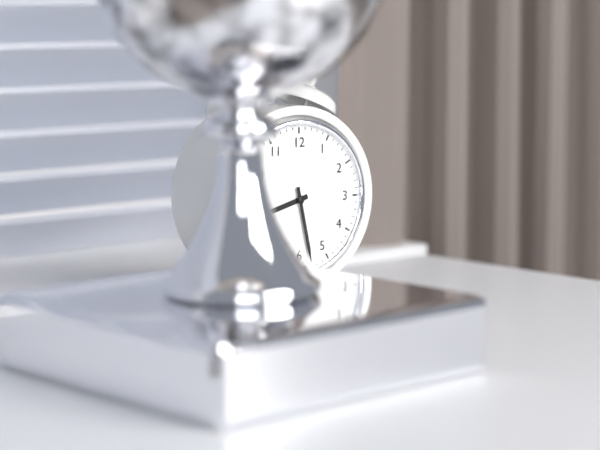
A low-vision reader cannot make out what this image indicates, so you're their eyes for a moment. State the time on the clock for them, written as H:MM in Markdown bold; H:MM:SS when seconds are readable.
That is **8:28**
